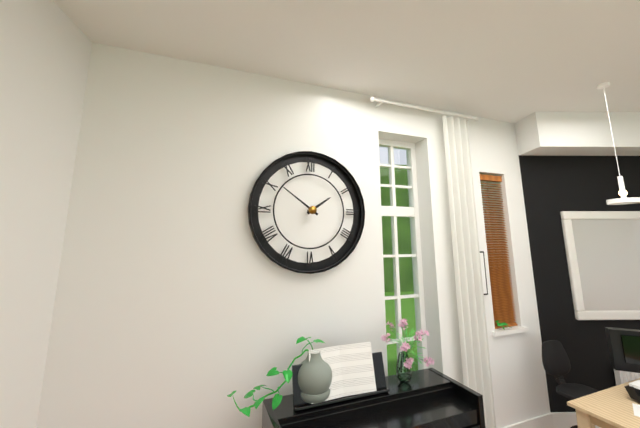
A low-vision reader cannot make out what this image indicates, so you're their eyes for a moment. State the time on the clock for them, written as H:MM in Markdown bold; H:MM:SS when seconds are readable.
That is **1:51**
